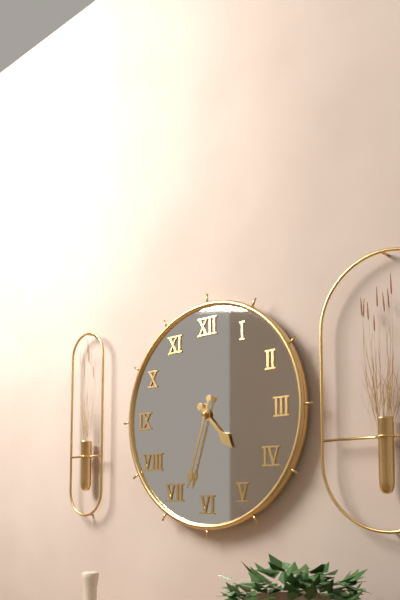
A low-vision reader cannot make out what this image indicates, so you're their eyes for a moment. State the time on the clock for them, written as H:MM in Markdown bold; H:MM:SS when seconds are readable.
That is **4:33**
